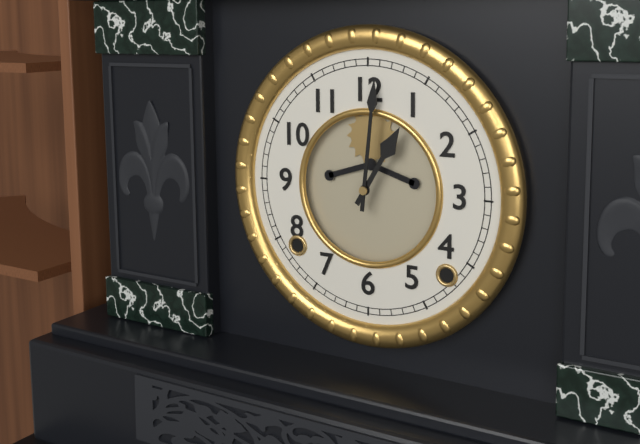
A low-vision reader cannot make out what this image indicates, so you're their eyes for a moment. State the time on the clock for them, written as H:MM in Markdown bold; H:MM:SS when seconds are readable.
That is **1:01**
